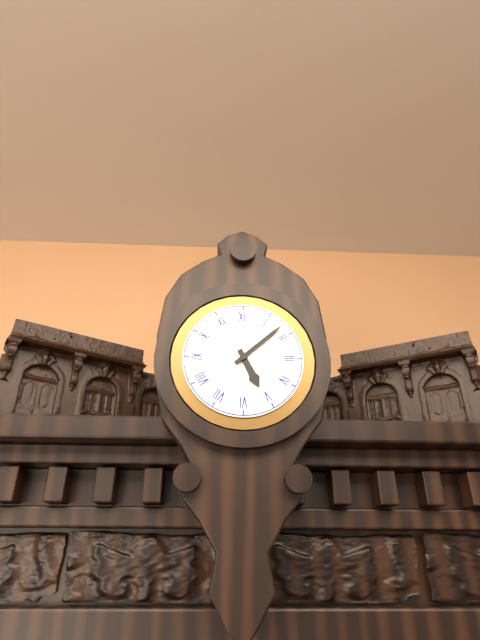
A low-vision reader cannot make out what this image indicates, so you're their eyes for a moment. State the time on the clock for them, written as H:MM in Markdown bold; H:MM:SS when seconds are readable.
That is **5:08**
